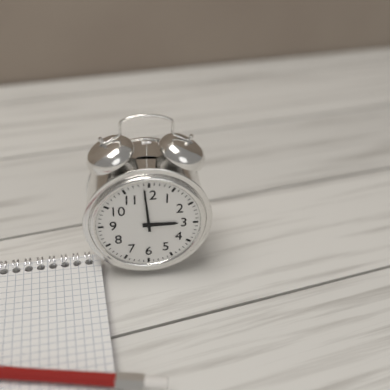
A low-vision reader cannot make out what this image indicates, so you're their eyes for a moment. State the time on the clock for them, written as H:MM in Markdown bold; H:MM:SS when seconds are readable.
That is **2:59**
